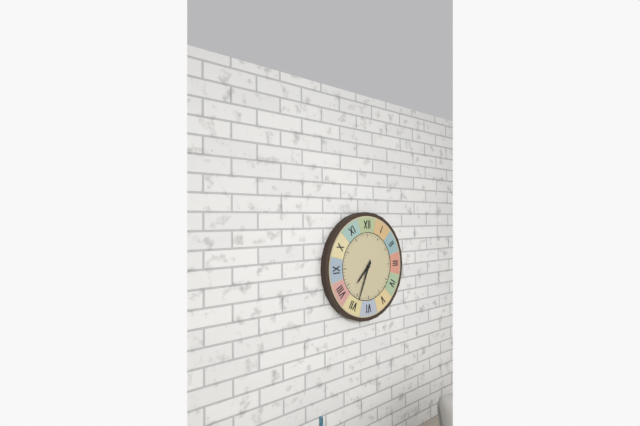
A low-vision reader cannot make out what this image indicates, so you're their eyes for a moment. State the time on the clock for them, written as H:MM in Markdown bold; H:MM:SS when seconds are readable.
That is **7:34**
